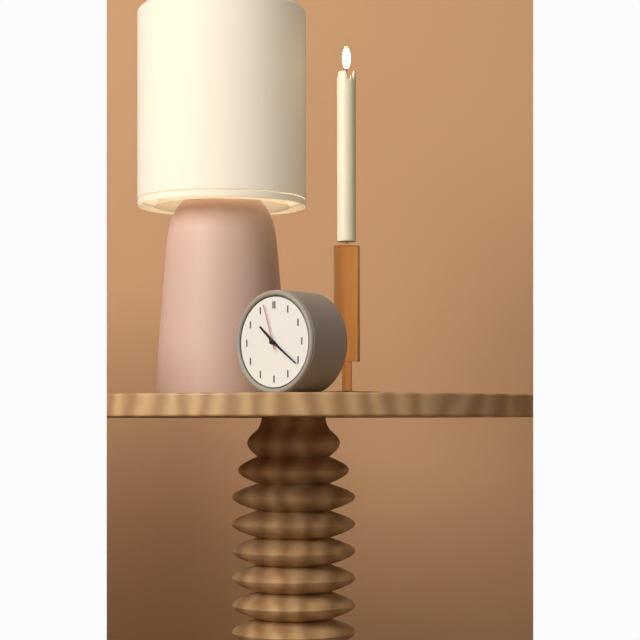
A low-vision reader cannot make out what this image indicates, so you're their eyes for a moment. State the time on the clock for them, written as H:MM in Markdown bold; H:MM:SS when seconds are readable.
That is **10:21**
